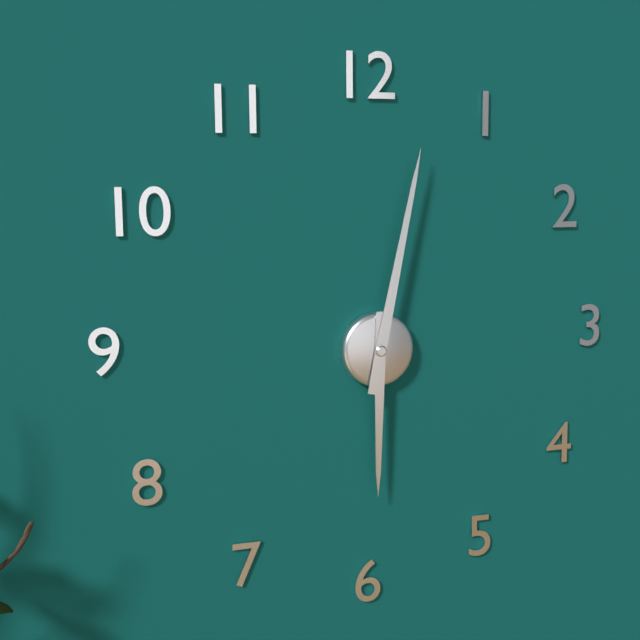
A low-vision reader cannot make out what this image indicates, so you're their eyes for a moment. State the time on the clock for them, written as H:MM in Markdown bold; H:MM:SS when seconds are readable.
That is **6:02**
